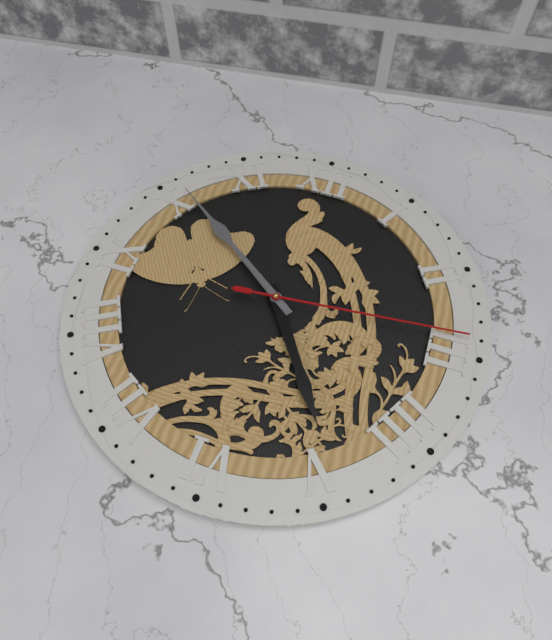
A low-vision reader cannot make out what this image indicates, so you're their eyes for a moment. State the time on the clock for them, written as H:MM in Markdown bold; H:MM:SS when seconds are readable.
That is **4:51:14**
